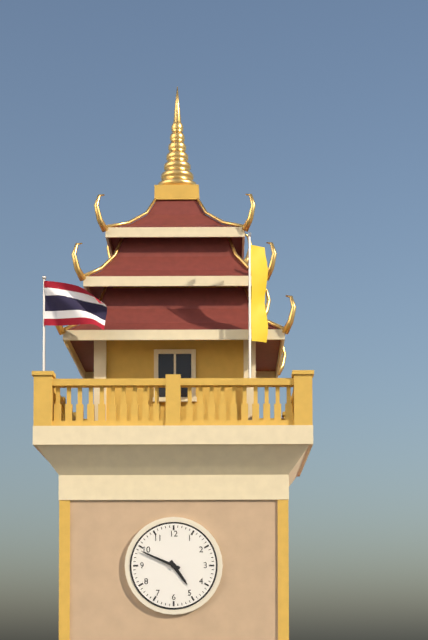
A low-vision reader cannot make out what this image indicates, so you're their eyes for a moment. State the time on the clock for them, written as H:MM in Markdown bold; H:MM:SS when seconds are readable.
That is **4:49**
